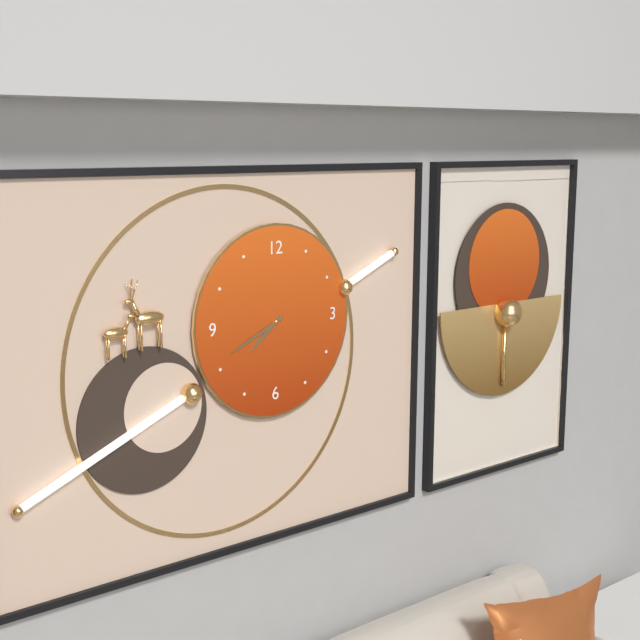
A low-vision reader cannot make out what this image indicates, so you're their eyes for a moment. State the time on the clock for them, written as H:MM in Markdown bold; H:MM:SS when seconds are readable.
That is **7:41**
